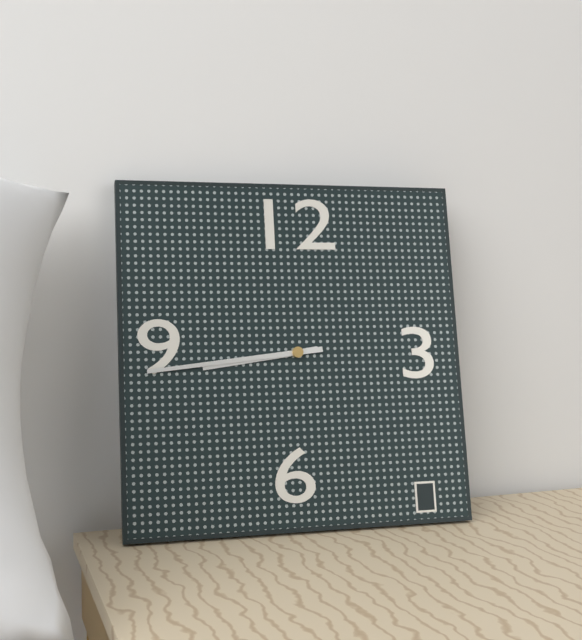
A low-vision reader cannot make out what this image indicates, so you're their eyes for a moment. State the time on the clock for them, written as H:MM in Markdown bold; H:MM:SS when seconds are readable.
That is **8:44**
